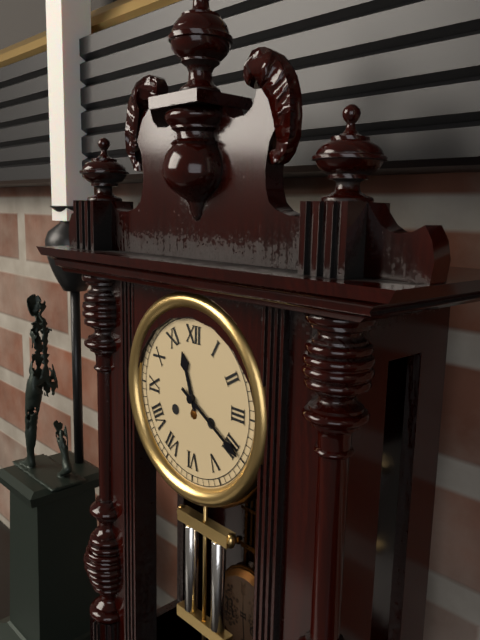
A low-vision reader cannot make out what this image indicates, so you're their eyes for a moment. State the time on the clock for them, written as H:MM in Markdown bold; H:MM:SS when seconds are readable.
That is **11:20**
